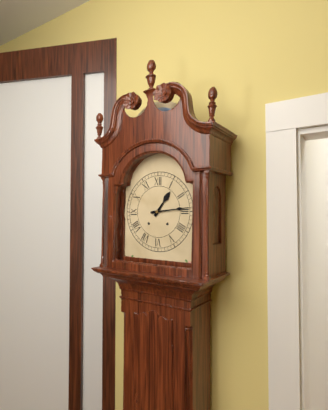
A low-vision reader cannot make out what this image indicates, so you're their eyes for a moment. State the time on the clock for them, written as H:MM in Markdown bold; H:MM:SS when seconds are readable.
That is **1:14**
